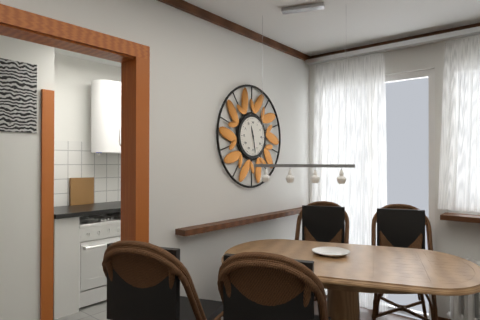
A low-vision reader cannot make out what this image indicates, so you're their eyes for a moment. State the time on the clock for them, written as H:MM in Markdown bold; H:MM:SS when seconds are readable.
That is **11:28**
